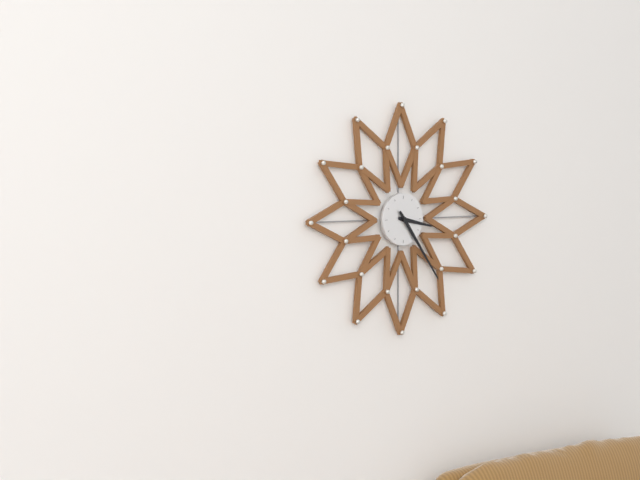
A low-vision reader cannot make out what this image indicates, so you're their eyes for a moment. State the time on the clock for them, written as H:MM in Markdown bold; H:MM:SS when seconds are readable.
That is **3:24**
